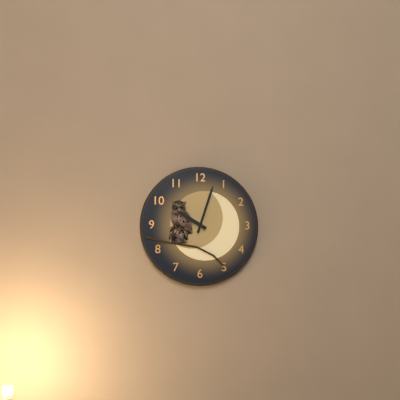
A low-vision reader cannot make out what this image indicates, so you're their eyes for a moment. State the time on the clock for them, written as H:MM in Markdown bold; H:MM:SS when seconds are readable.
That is **10:03**
